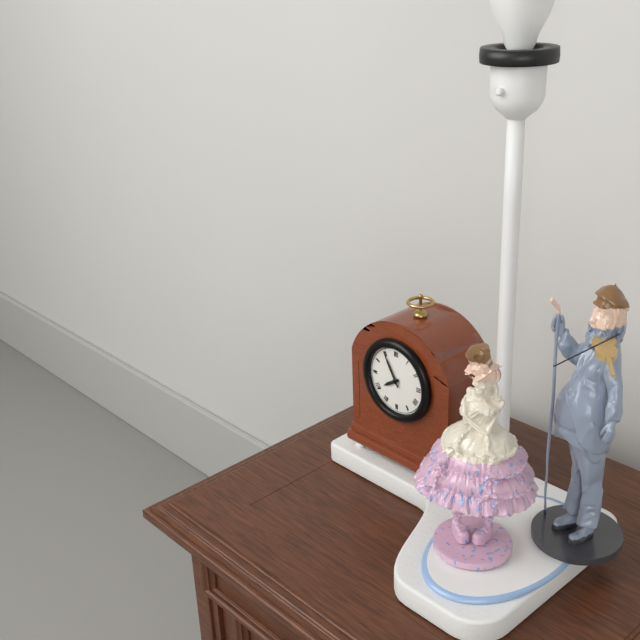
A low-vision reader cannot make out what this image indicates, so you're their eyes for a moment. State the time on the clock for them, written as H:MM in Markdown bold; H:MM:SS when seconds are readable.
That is **7:55**
